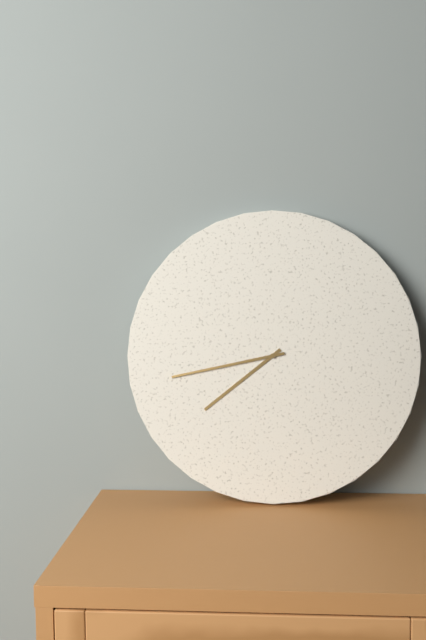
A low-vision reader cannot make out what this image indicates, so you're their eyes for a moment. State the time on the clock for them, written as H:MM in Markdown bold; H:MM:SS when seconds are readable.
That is **7:43**
